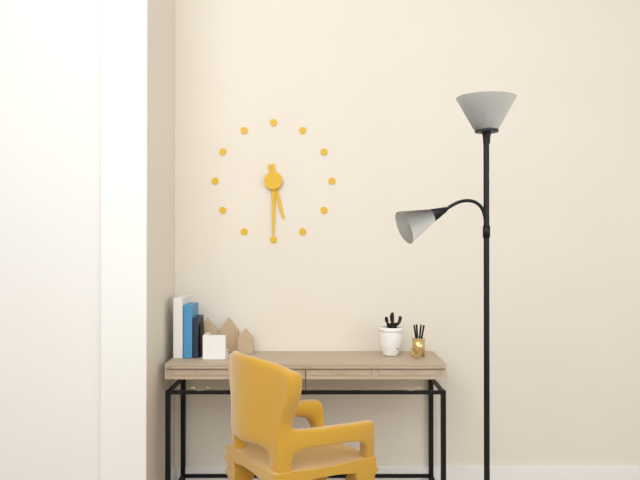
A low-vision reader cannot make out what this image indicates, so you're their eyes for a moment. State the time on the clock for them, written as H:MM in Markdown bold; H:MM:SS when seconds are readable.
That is **5:30**
